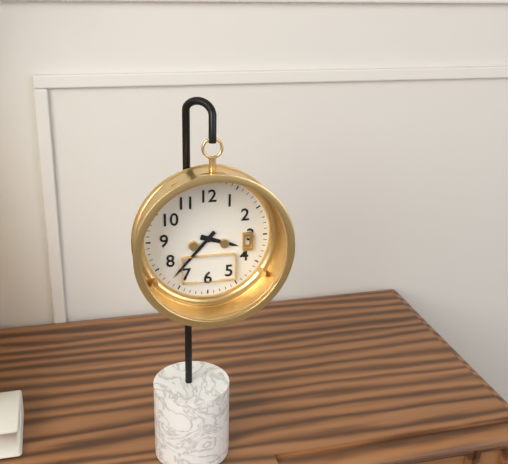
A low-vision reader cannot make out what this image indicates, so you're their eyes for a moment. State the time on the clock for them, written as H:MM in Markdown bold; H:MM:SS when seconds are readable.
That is **3:37**
